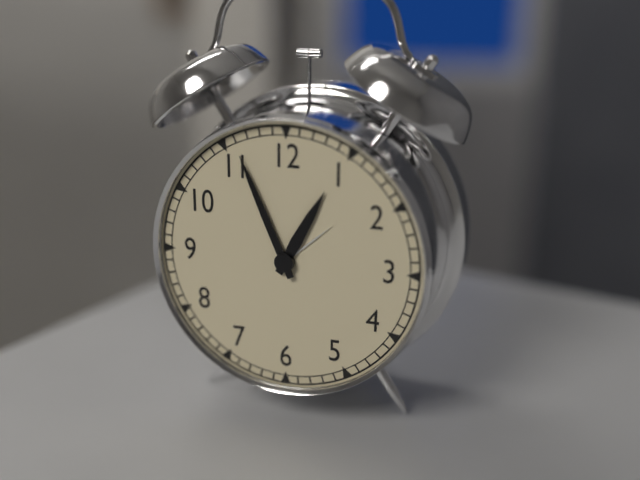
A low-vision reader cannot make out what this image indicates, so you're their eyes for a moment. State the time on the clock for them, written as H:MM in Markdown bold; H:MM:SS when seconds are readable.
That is **12:56**
